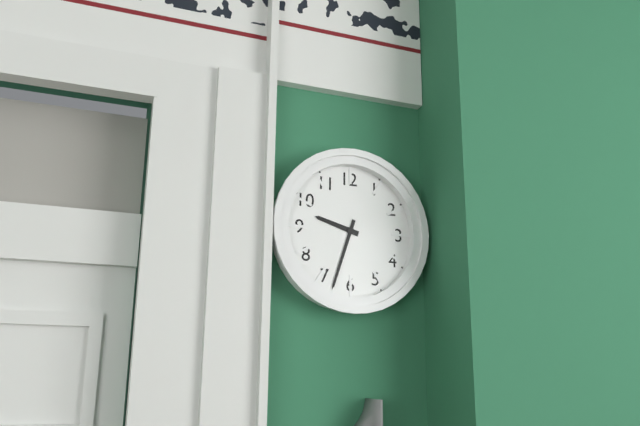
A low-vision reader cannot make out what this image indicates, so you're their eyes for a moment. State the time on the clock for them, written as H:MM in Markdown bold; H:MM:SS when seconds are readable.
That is **9:33**
